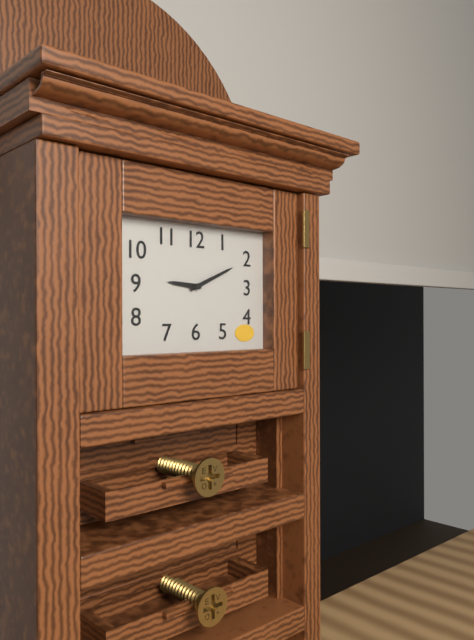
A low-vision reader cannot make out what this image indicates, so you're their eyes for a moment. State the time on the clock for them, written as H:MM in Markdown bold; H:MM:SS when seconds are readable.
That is **9:11**
